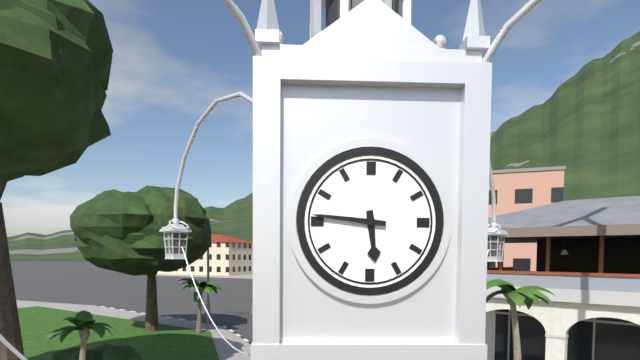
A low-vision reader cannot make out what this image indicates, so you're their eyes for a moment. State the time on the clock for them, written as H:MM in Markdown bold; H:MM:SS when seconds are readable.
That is **5:46**
